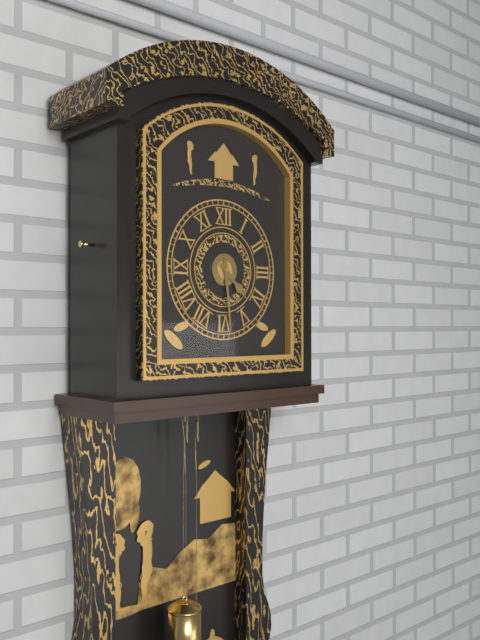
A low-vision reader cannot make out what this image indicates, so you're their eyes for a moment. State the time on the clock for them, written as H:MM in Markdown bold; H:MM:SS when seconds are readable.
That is **4:29**
